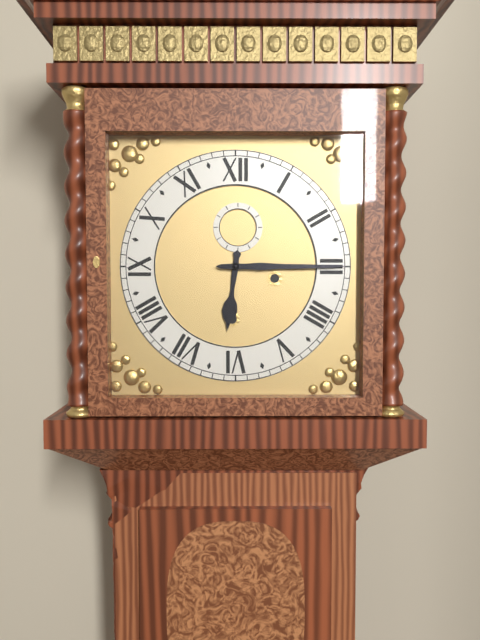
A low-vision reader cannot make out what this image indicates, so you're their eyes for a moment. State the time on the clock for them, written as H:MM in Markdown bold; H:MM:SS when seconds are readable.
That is **6:15**
